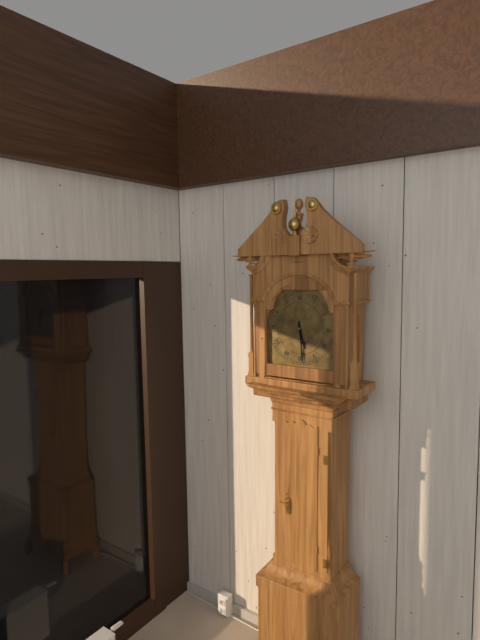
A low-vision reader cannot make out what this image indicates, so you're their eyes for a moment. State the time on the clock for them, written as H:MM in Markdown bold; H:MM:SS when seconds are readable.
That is **5:29**
